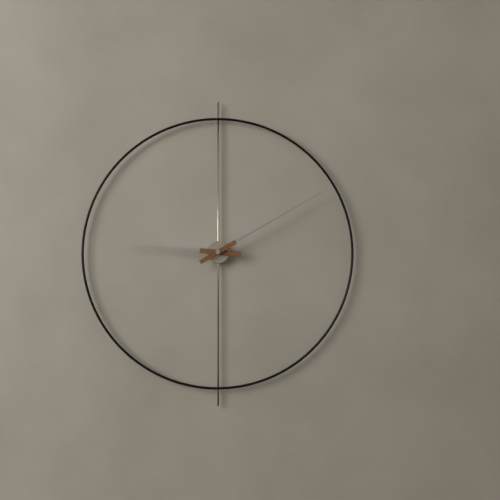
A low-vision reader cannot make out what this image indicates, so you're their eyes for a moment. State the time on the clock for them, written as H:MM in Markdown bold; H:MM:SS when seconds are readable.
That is **9:10**
